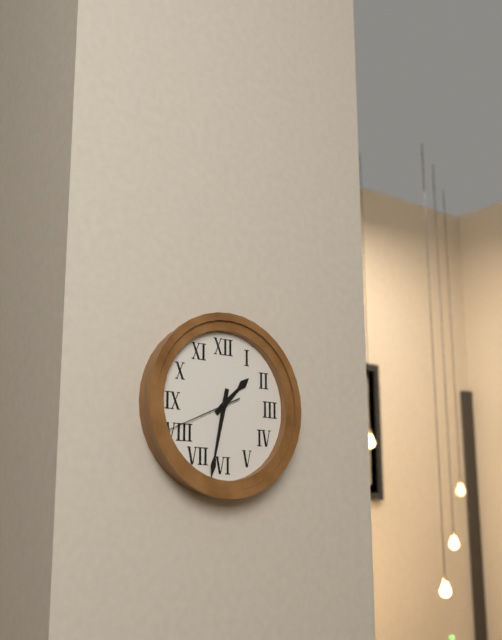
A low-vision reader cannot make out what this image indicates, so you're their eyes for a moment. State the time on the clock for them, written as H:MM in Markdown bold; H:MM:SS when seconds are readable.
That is **1:32:41**
